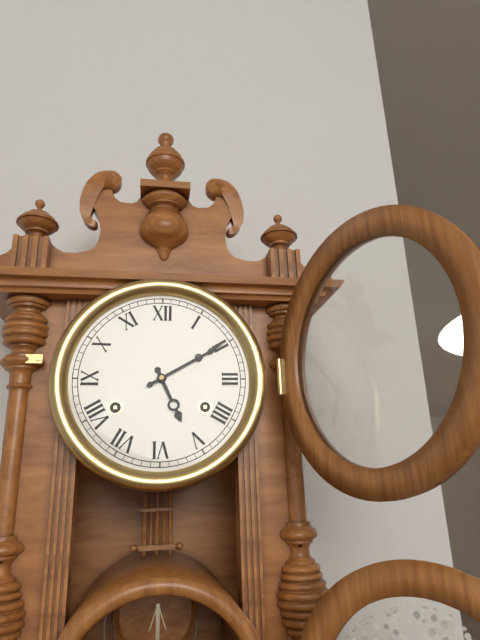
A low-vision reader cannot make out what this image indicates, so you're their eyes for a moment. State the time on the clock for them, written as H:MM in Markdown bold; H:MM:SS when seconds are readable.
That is **5:10**
